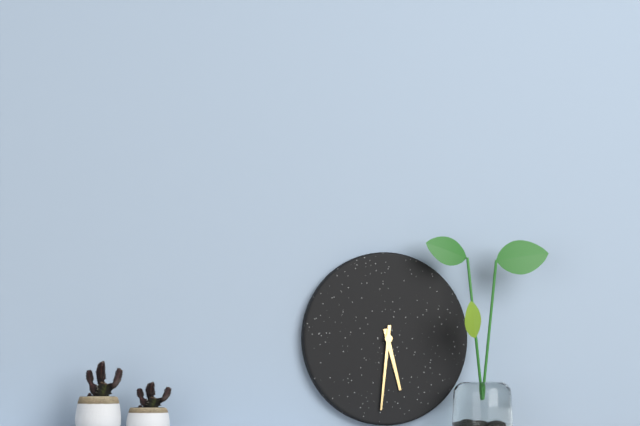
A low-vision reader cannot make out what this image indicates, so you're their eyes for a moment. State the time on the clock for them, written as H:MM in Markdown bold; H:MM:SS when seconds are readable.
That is **5:31**
